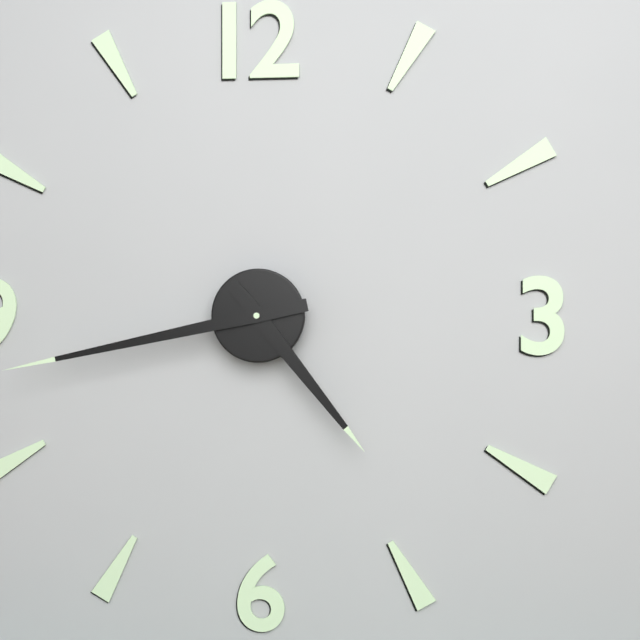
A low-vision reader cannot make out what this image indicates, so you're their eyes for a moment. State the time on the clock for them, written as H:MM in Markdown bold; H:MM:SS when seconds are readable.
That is **4:43**
